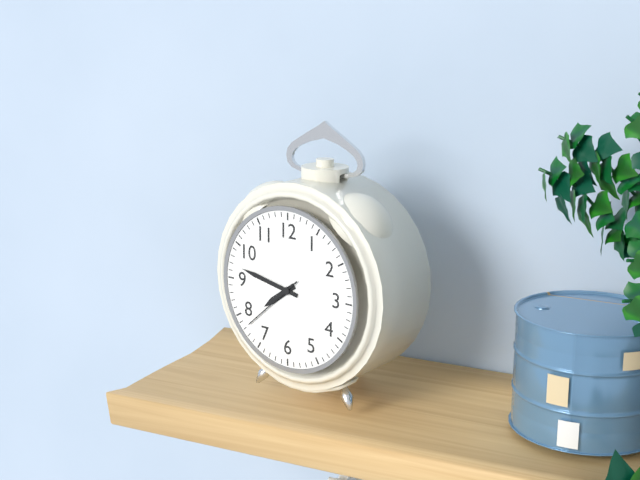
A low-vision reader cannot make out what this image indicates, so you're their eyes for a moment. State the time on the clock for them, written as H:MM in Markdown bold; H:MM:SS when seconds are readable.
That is **7:47:38**
